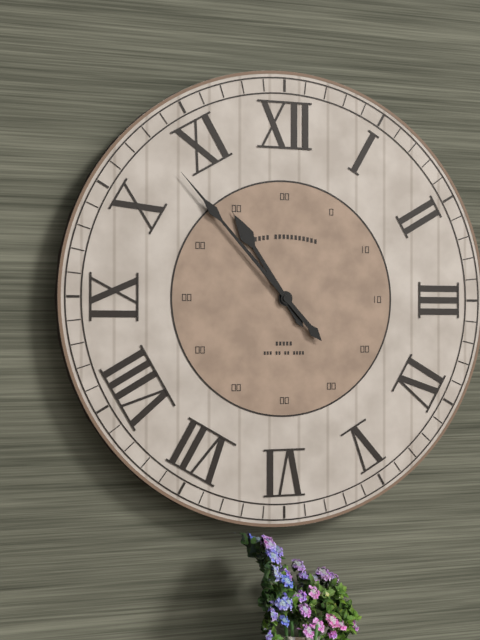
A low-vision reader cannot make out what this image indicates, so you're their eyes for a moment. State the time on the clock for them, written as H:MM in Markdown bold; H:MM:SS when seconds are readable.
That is **10:53**
